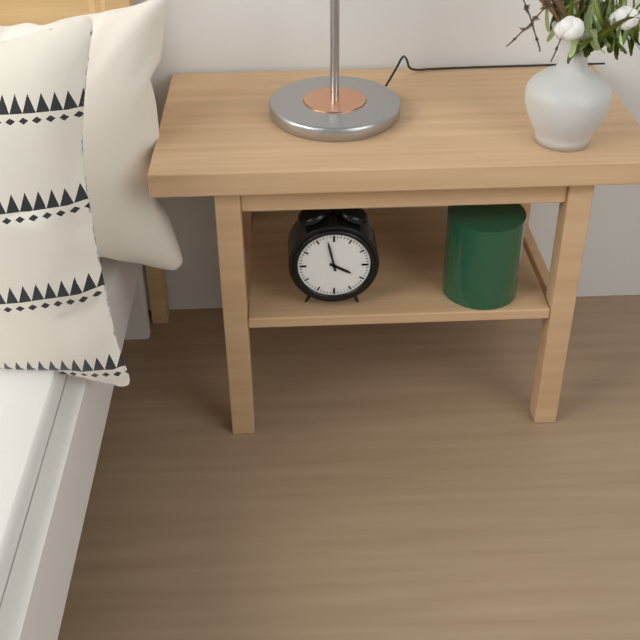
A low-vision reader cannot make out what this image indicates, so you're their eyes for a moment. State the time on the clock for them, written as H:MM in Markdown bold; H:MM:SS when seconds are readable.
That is **3:58**
